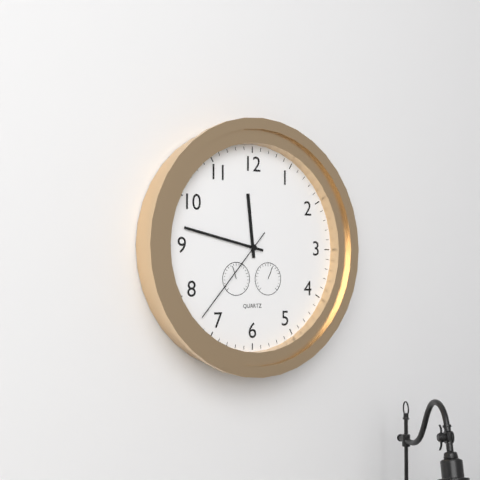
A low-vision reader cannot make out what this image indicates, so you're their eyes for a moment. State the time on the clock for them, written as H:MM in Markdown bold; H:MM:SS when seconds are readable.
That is **11:47:37**
